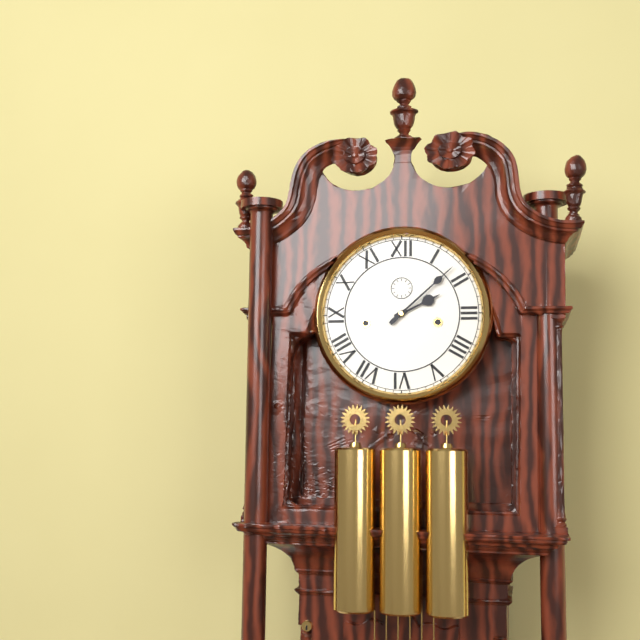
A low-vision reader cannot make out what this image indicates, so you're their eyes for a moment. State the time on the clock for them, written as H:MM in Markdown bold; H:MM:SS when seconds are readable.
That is **2:08**
